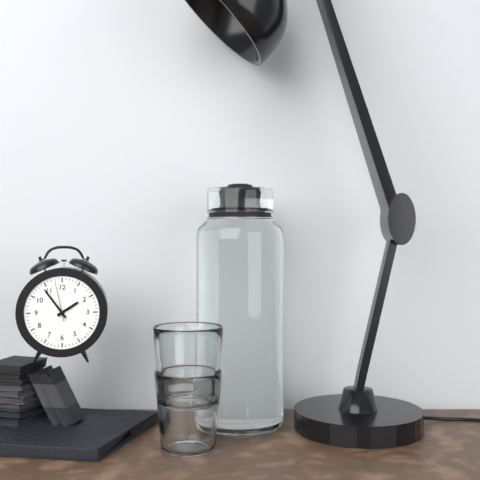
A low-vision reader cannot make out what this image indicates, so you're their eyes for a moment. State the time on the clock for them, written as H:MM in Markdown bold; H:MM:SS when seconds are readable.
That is **1:54**
